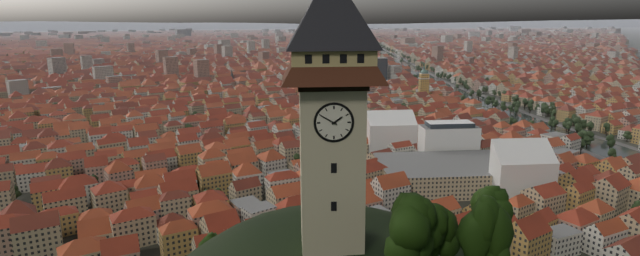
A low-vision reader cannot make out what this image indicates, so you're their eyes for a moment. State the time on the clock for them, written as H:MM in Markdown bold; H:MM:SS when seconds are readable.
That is **1:50**
